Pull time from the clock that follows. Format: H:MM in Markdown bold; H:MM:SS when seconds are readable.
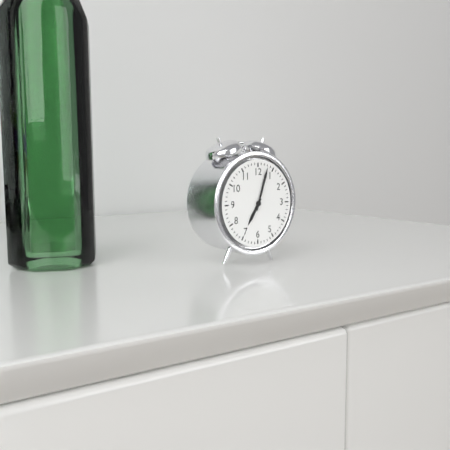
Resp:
**7:03**
